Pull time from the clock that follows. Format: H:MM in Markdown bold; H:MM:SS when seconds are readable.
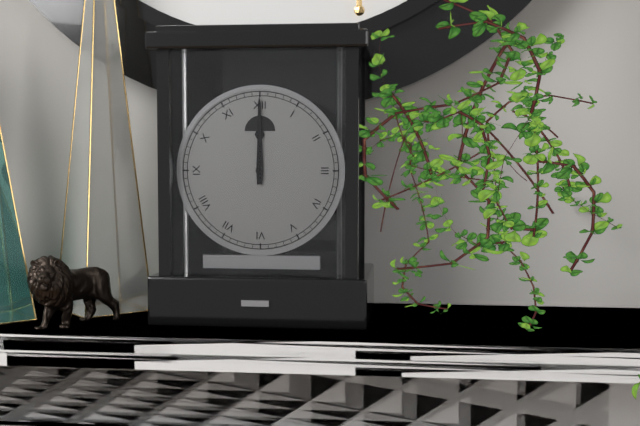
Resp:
**12:00**
